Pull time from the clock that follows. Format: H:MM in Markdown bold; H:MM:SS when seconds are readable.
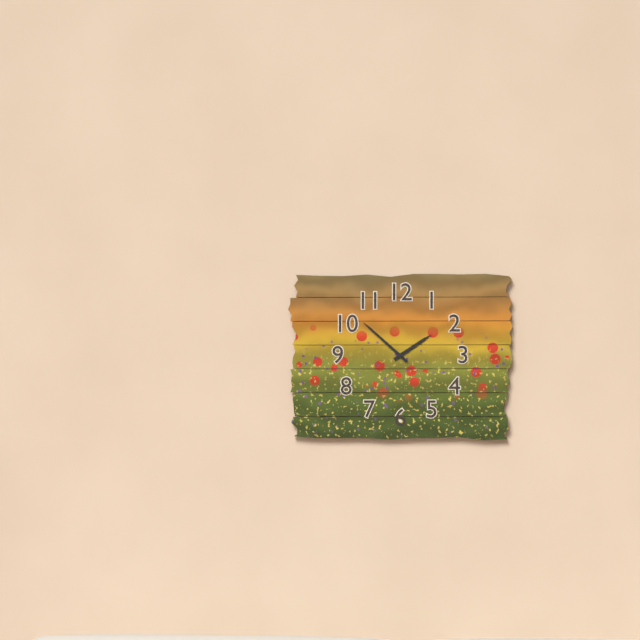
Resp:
**1:52**
